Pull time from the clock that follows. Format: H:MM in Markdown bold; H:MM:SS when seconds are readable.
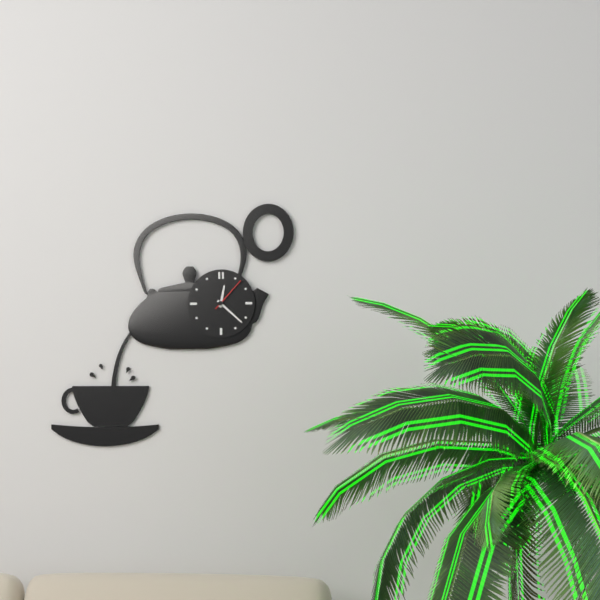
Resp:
**12:22**
